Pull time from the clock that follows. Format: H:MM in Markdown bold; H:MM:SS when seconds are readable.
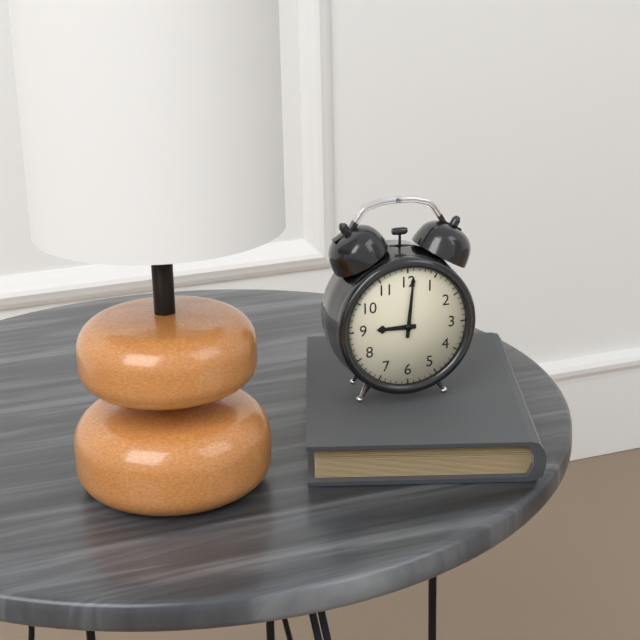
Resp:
**9:01**
